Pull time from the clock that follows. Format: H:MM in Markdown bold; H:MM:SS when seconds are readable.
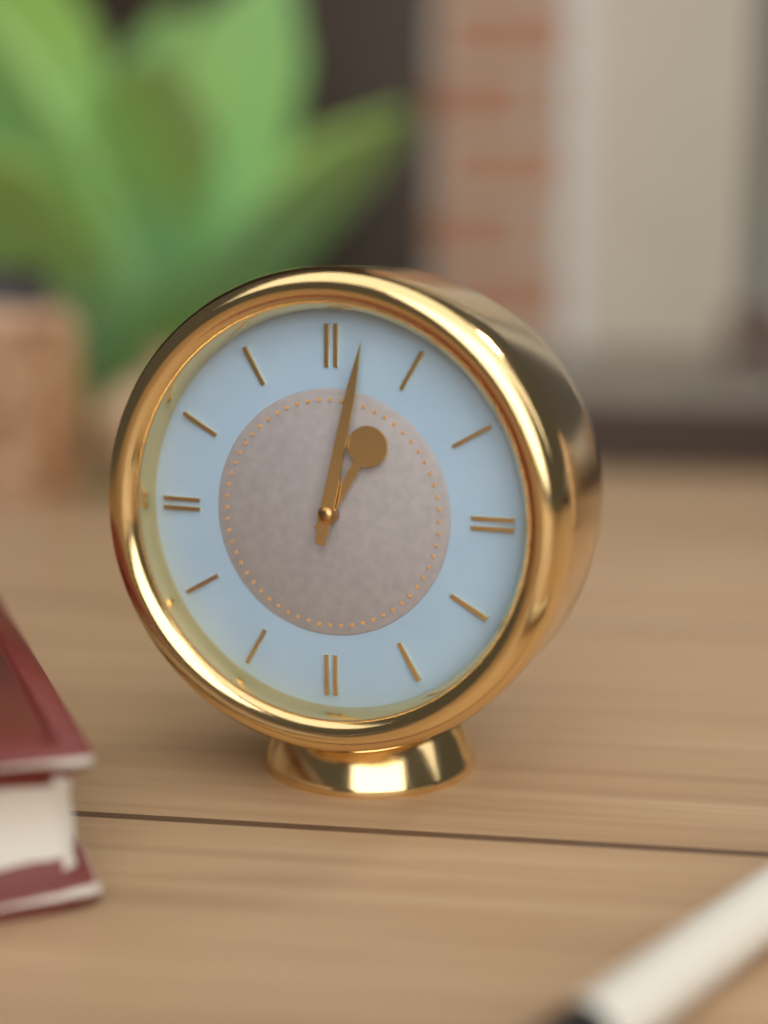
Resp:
**1:02**
